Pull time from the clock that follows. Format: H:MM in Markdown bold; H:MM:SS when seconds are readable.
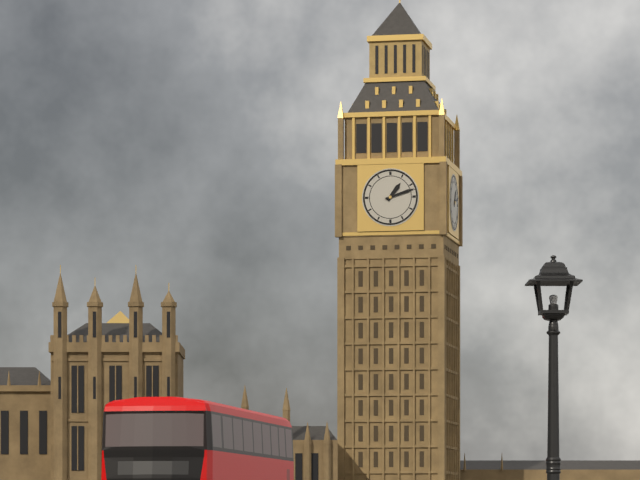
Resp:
**1:12**
